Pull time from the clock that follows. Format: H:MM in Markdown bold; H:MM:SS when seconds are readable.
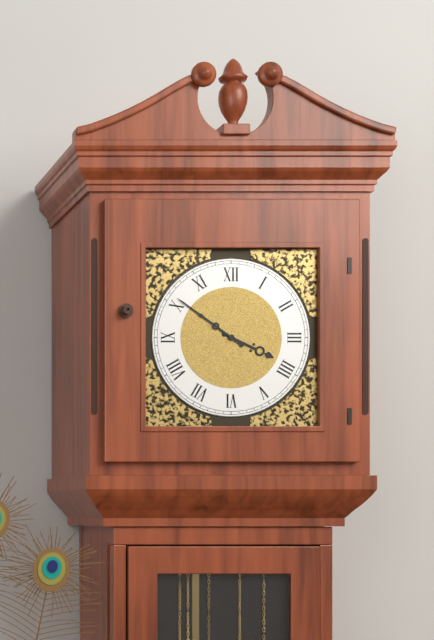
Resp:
**3:51**
